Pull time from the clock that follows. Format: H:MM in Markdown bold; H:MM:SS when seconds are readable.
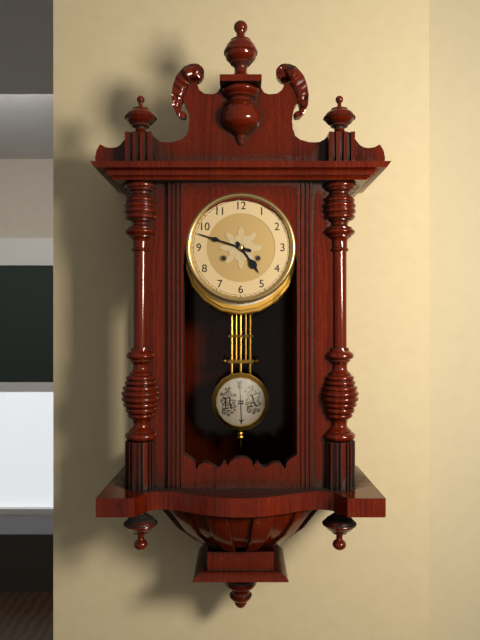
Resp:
**4:48**
